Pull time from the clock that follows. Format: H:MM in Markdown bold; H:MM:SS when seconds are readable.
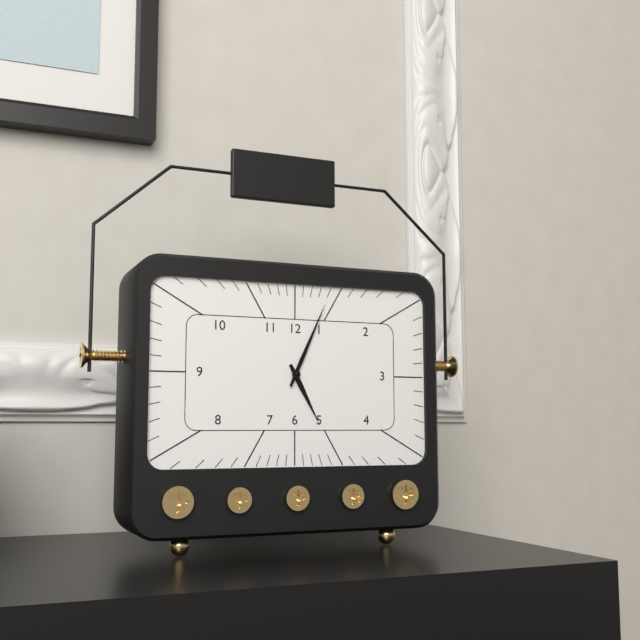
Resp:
**5:04**
